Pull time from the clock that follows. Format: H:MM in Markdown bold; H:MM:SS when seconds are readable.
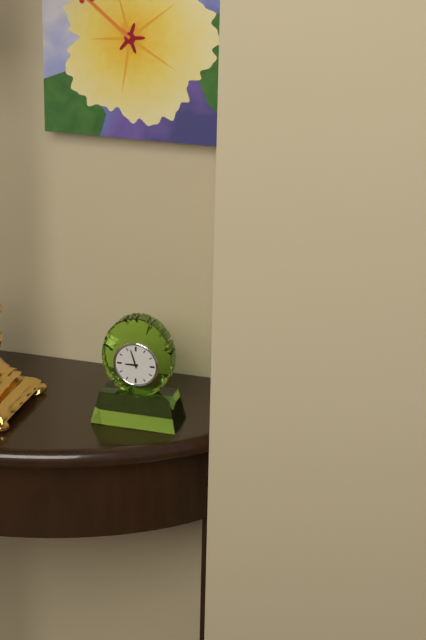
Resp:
**8:57**
